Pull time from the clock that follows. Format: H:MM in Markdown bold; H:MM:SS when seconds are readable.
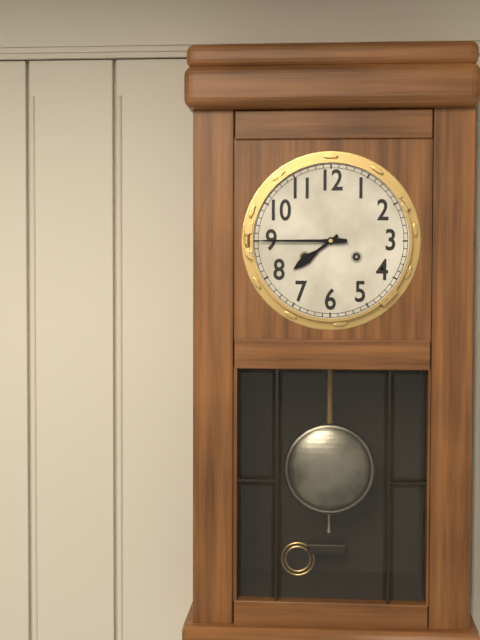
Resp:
**7:45**
